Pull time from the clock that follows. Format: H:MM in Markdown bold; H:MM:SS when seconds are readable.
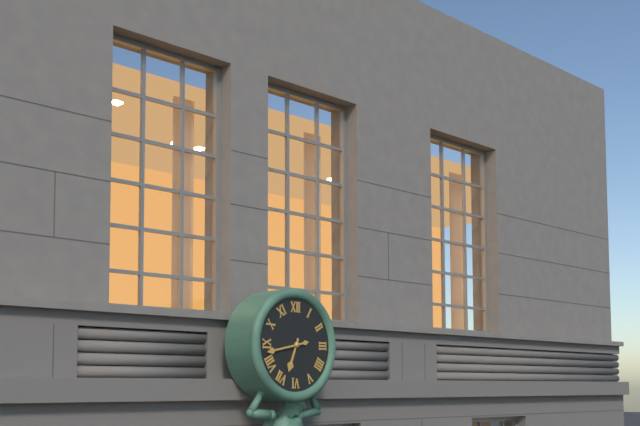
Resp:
**6:43**
